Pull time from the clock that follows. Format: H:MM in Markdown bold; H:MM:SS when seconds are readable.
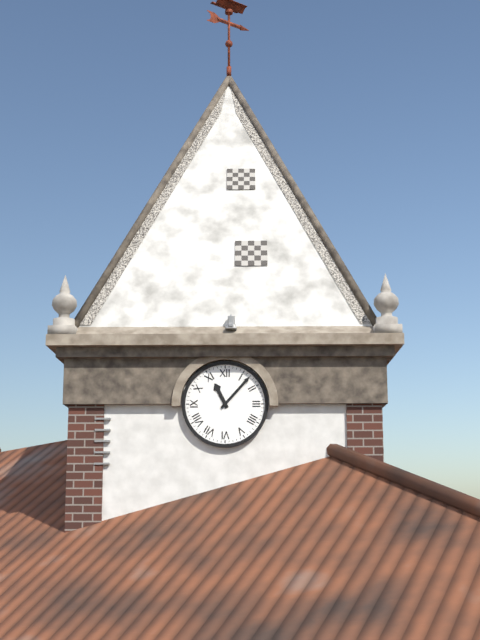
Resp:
**11:07**
